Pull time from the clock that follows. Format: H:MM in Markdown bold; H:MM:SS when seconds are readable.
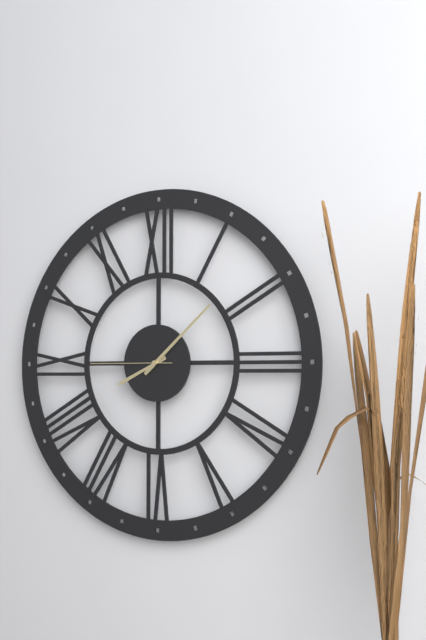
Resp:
**8:08:45**
